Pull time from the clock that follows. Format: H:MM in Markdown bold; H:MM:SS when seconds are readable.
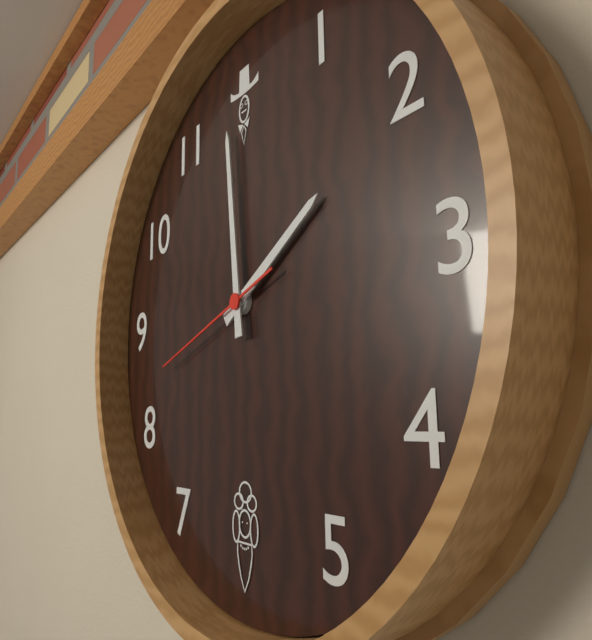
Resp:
**1:59:42**
